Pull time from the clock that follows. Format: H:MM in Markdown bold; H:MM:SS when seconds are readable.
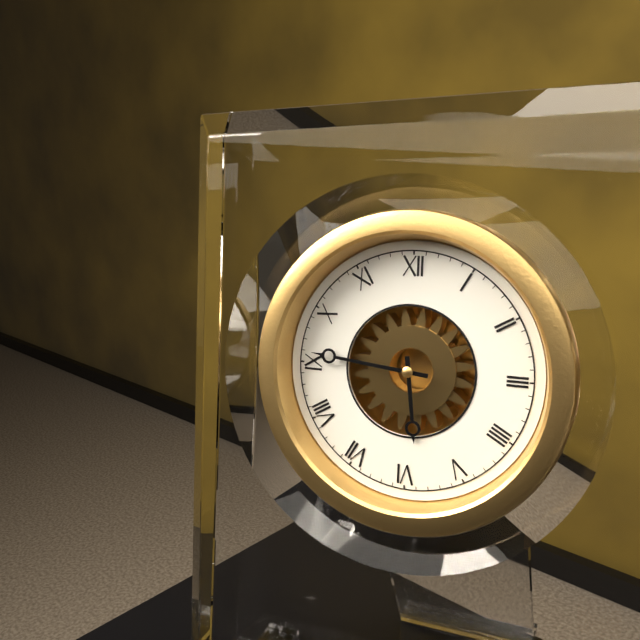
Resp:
**5:46**
